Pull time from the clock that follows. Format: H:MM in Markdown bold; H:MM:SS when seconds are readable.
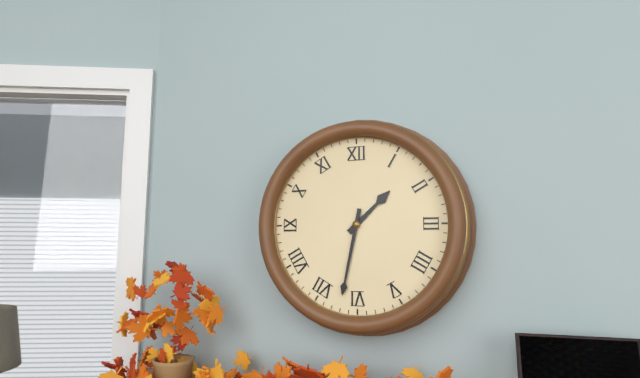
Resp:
**1:32**
